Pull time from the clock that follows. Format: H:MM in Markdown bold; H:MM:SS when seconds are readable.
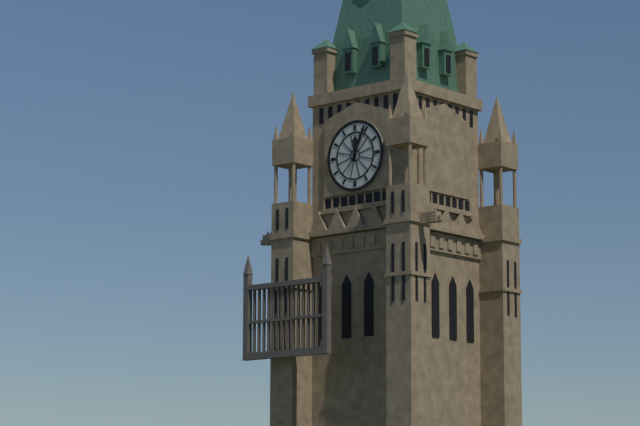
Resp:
**12:04**
